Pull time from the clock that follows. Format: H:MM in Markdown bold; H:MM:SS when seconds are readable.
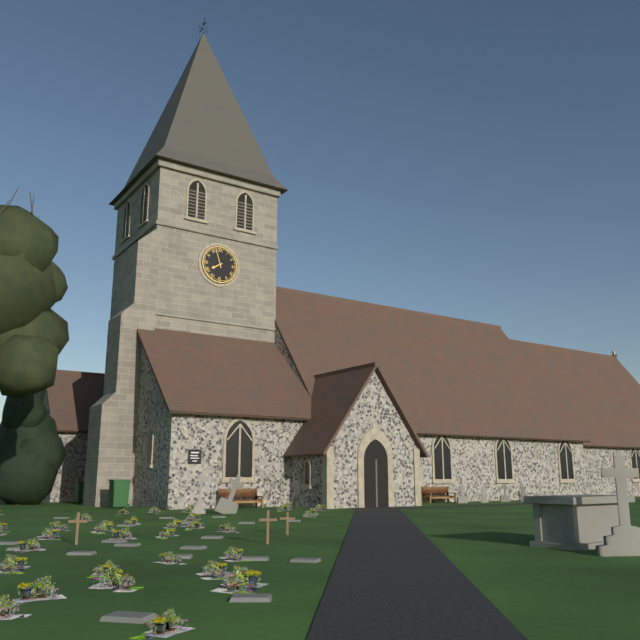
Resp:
**7:57**
